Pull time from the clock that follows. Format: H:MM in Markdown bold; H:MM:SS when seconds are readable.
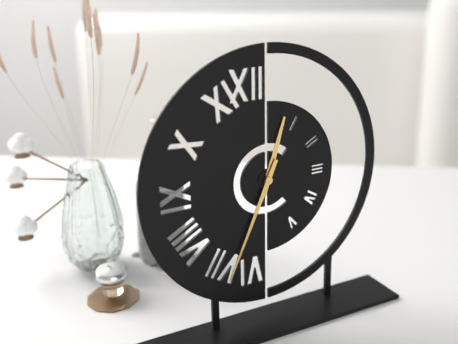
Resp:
**12:34**
